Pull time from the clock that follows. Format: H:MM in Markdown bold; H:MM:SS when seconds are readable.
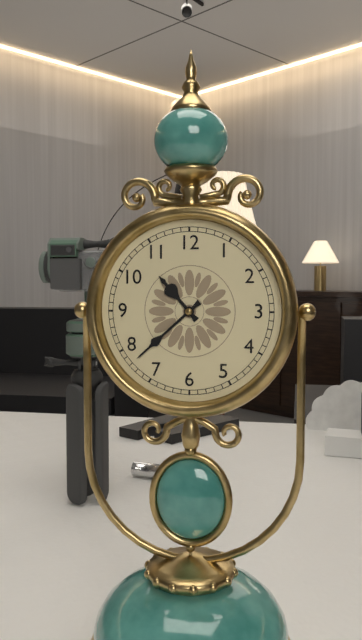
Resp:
**10:38**
